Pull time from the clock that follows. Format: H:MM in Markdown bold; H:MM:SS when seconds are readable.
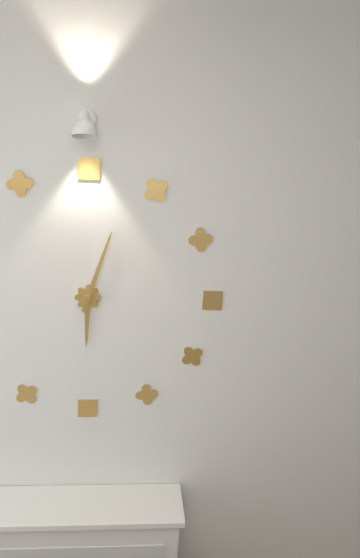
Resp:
**6:03**
